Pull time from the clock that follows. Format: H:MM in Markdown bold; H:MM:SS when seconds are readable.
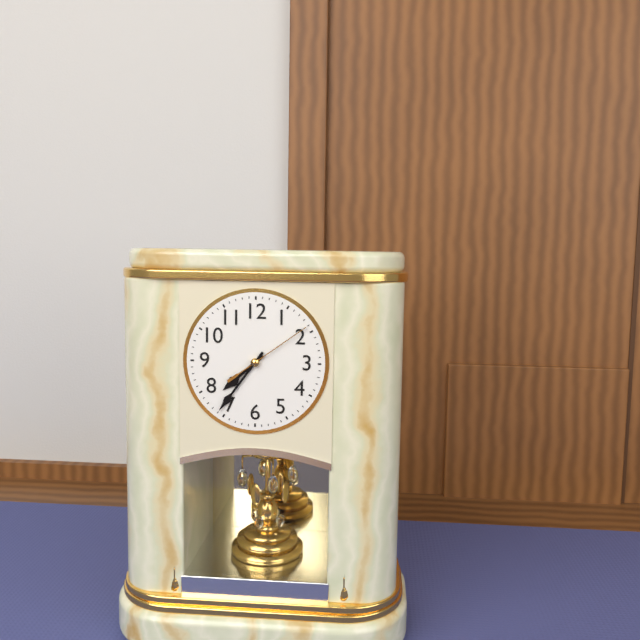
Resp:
**7:36:09**
